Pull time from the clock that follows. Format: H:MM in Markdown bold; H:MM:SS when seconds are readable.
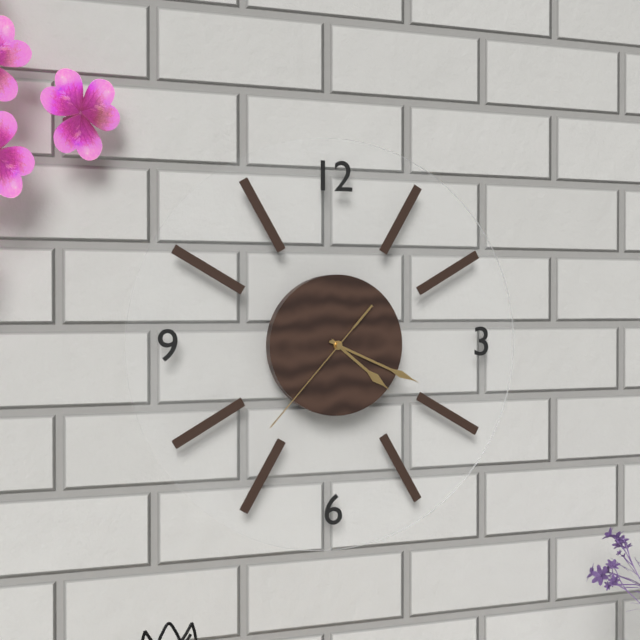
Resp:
**4:19:37**
